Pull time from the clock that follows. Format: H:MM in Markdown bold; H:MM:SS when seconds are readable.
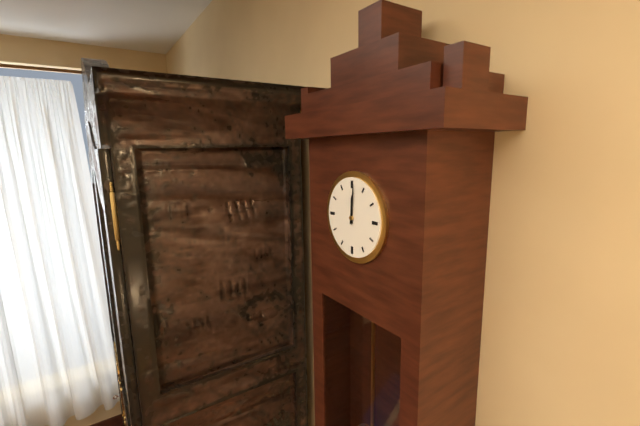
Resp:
**12:01**
